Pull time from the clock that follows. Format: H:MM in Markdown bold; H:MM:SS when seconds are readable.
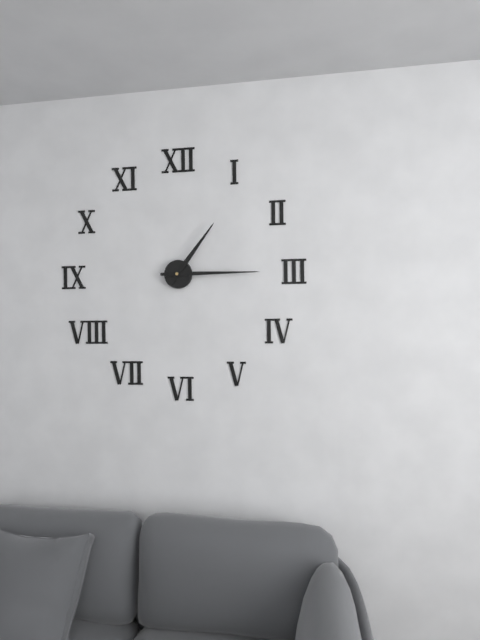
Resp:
**1:15**
